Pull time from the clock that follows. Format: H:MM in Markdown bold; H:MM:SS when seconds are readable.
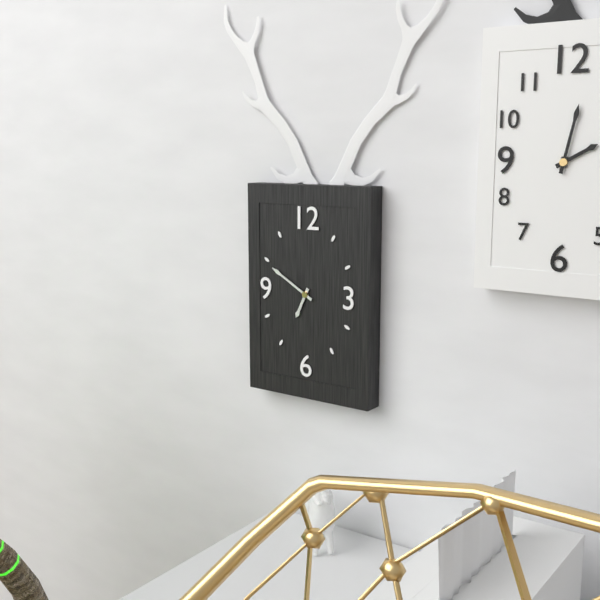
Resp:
**6:50**
